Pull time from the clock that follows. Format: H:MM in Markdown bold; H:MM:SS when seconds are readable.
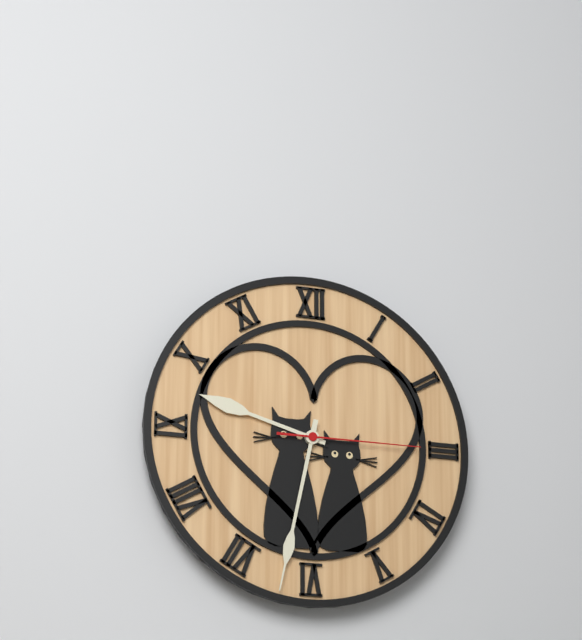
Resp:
**9:32:15**
